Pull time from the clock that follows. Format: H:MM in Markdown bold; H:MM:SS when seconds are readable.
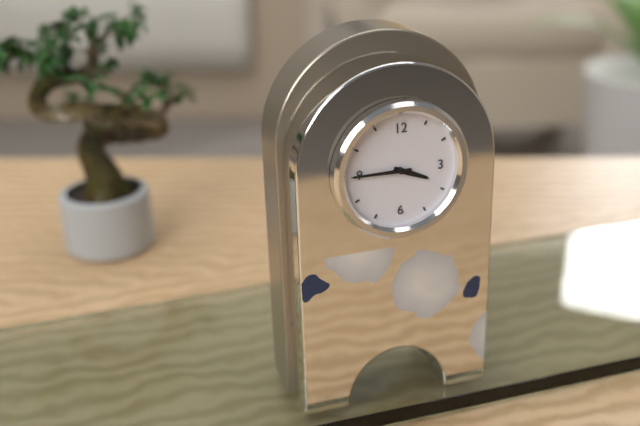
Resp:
**3:45**
